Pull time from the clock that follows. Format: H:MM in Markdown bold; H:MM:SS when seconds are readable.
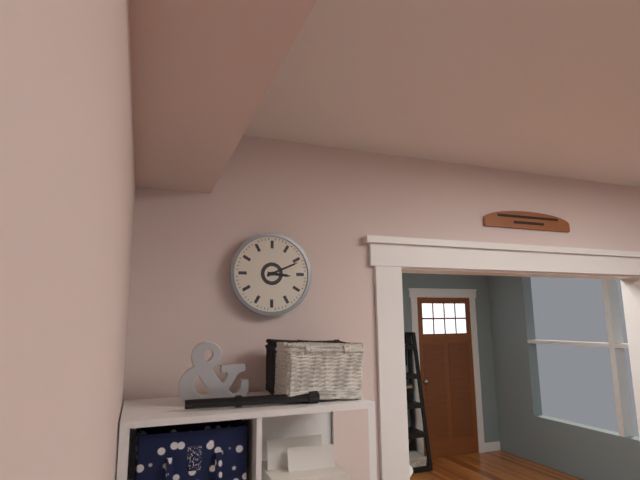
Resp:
**3:11**
